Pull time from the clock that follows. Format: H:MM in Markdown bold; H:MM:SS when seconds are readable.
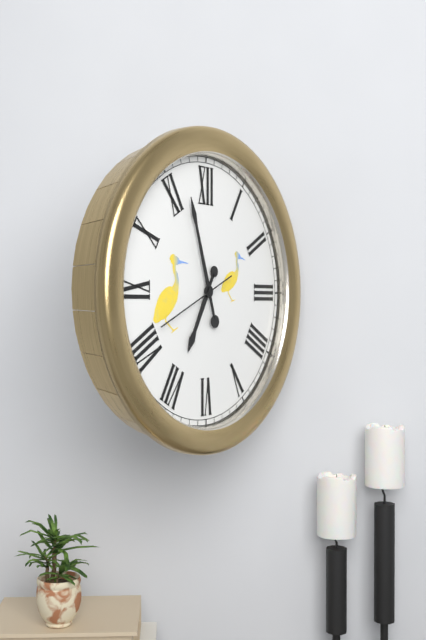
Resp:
**6:57:41**
